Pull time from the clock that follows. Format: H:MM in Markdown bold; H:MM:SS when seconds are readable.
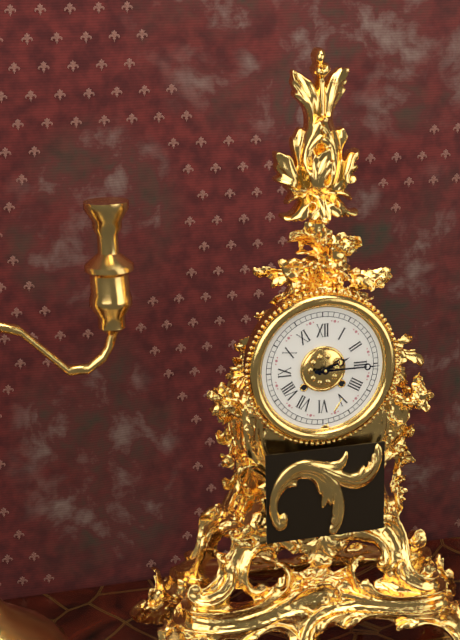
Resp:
**2:15**
